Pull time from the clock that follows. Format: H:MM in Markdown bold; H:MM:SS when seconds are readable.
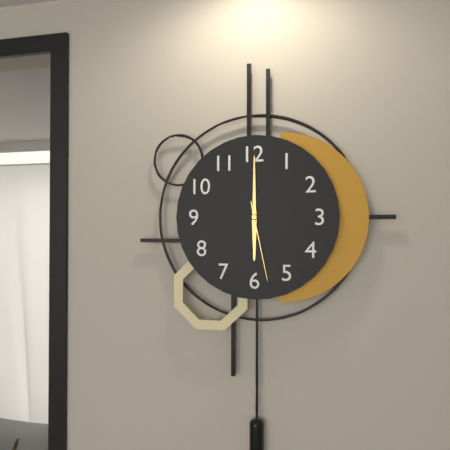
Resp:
**6:00:28**
